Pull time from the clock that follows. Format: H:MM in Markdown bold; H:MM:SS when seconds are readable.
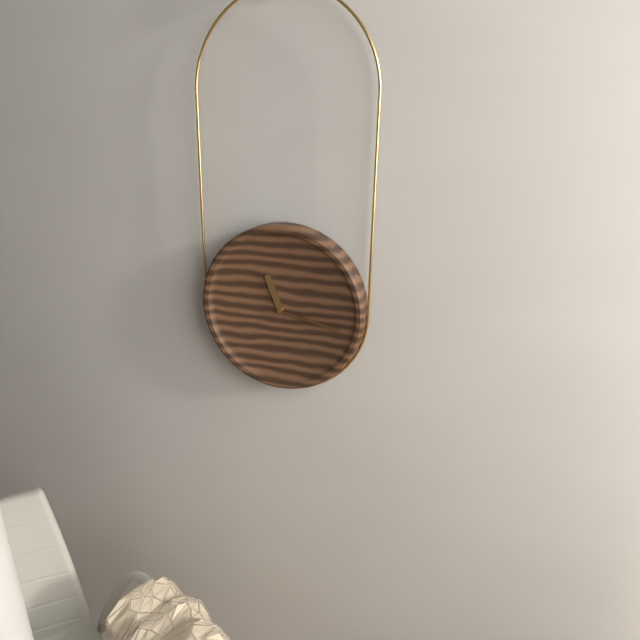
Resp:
**11:17**
